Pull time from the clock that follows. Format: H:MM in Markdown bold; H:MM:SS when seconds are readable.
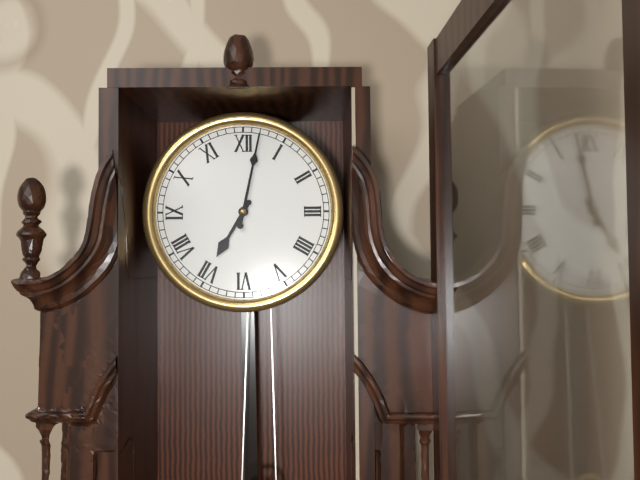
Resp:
**7:02**
